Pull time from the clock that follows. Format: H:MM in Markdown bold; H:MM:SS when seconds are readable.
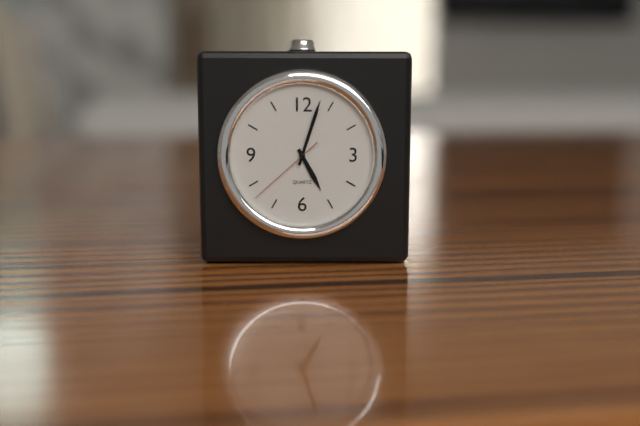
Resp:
**5:03:38**
